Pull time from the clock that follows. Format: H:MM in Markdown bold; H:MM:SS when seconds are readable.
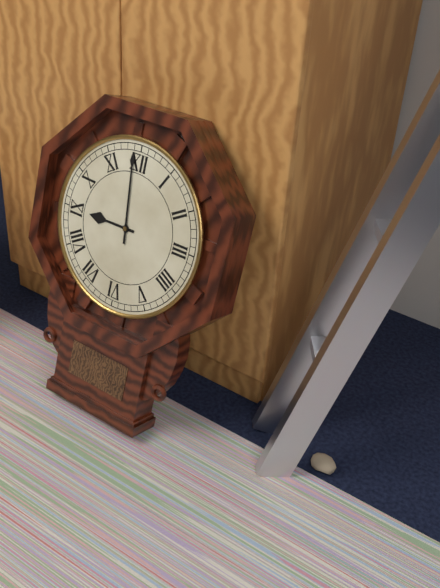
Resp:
**8:59**
